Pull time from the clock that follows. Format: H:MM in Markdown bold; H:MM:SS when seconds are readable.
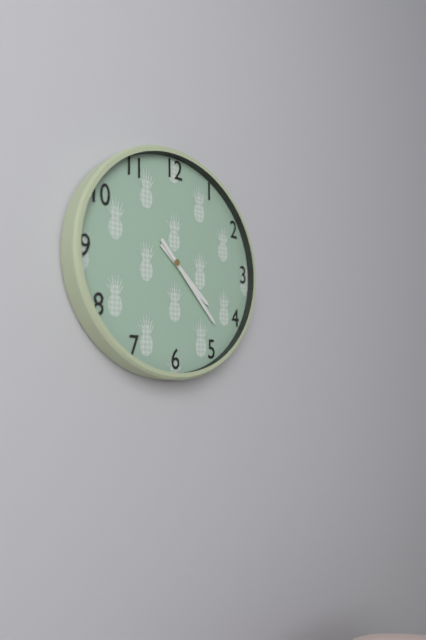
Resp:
**4:23**
